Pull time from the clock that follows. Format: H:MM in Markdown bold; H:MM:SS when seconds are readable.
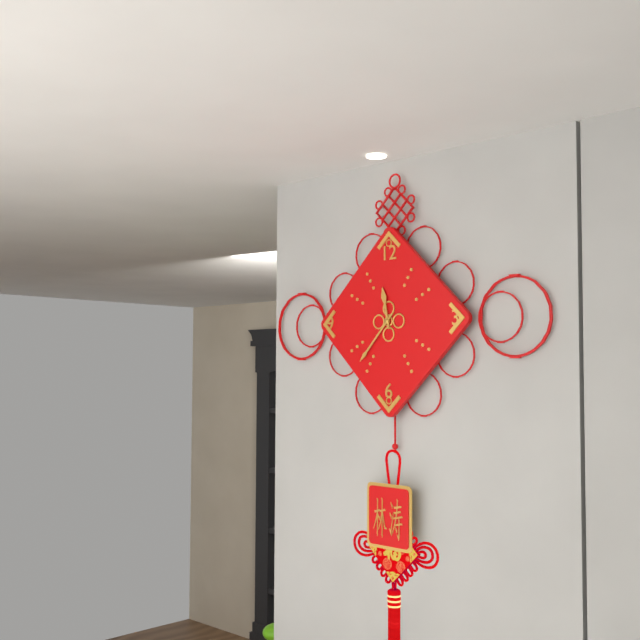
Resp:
**11:37**
